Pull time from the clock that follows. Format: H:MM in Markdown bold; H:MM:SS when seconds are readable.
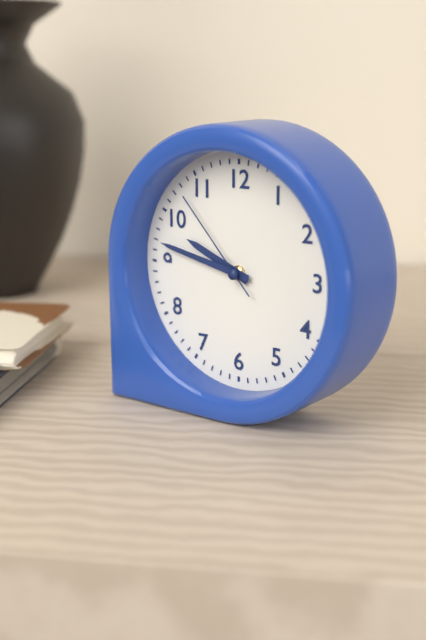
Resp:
**9:47:53**
